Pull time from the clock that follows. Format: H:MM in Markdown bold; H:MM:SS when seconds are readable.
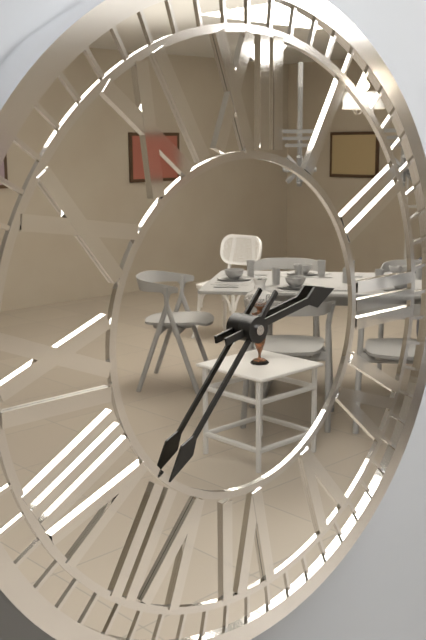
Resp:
**2:37**
